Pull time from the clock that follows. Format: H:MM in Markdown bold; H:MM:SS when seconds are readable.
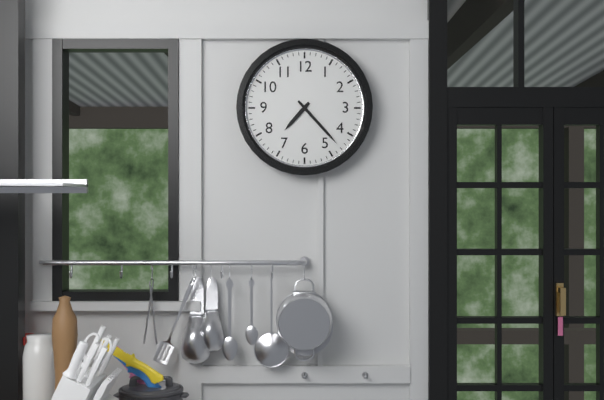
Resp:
**7:23**
